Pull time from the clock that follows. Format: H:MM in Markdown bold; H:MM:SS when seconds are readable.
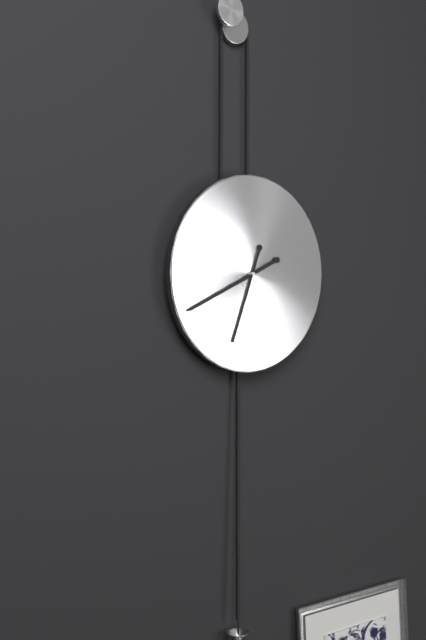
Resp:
**6:41**
